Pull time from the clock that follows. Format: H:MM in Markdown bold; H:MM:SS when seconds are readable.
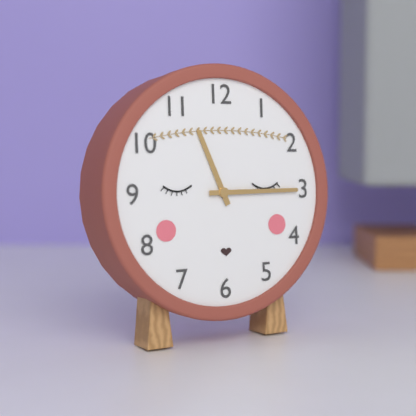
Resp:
**11:15**
